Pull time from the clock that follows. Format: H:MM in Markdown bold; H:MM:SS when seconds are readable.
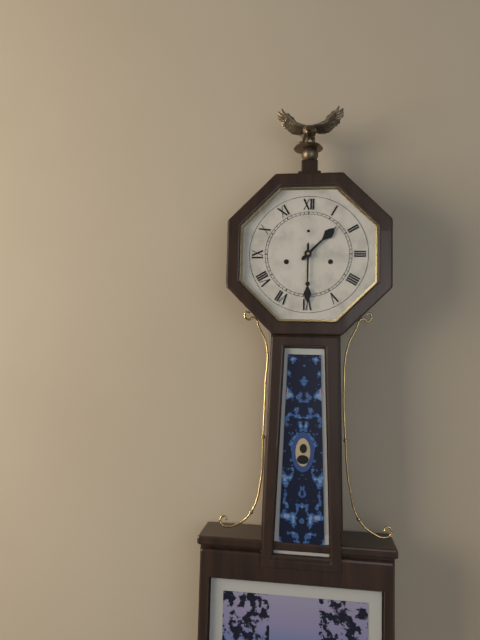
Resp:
**1:30**
